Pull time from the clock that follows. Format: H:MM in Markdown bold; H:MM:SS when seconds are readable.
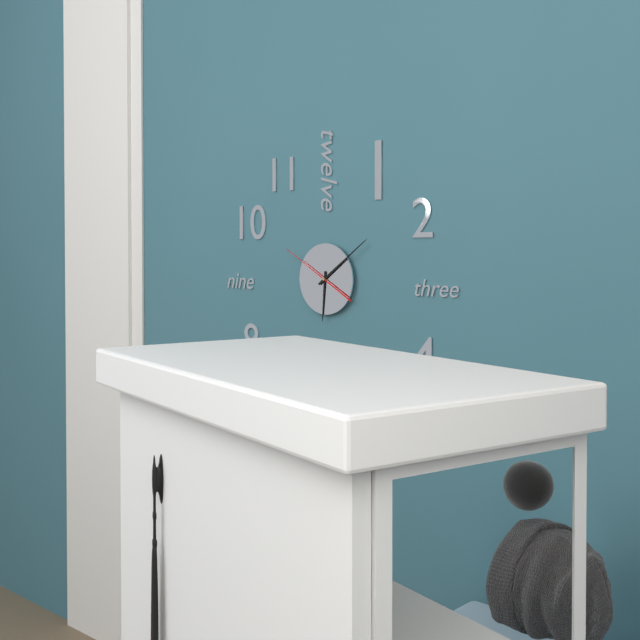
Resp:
**6:09:50**
